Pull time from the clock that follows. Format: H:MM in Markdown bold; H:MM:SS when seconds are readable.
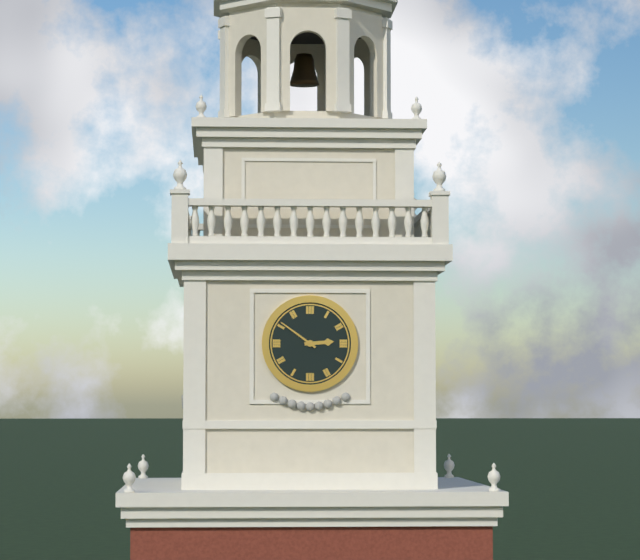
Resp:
**2:51**
